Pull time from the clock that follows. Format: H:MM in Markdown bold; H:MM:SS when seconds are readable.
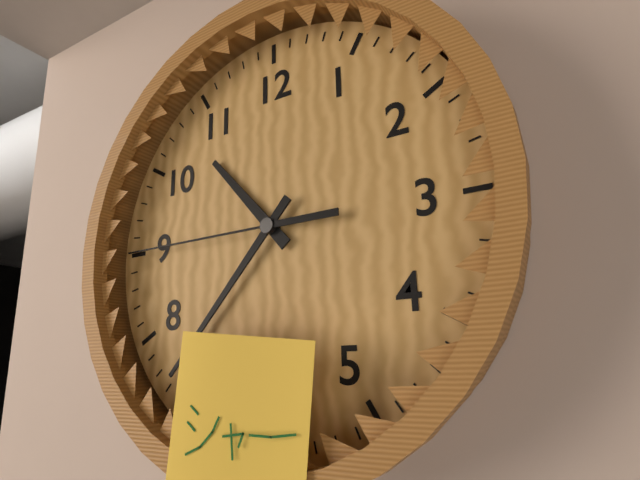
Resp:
**10:37:45**
